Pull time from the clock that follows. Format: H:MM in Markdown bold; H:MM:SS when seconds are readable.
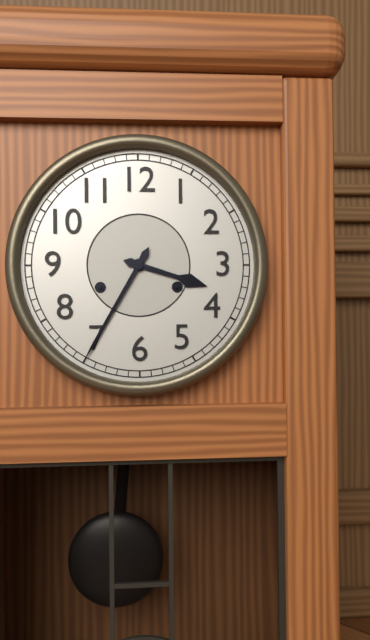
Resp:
**3:35**
